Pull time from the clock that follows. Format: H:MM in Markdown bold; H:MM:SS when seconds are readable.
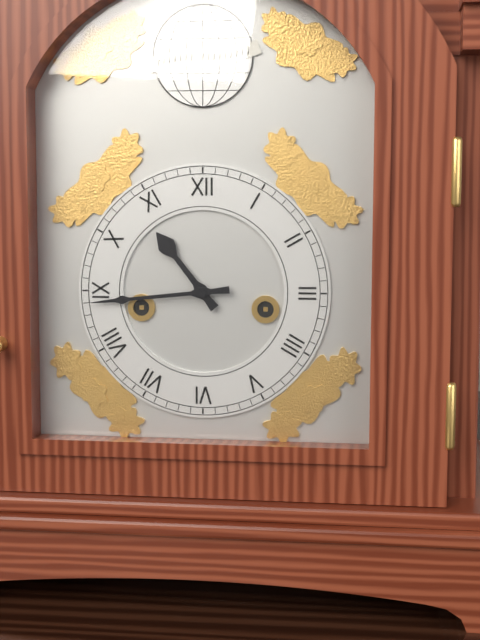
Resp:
**10:44**
